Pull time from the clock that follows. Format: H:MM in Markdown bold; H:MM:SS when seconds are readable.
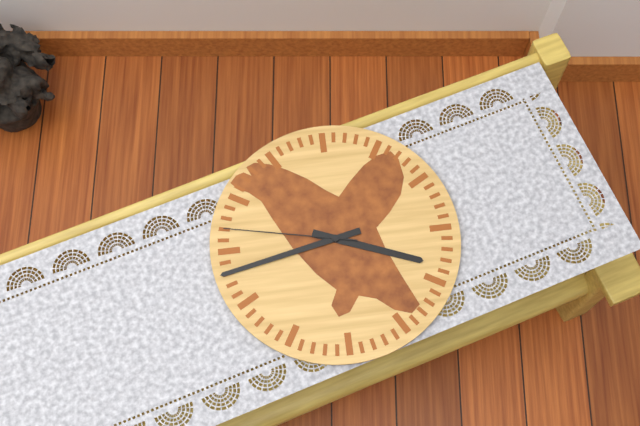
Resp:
**3:43:47**
